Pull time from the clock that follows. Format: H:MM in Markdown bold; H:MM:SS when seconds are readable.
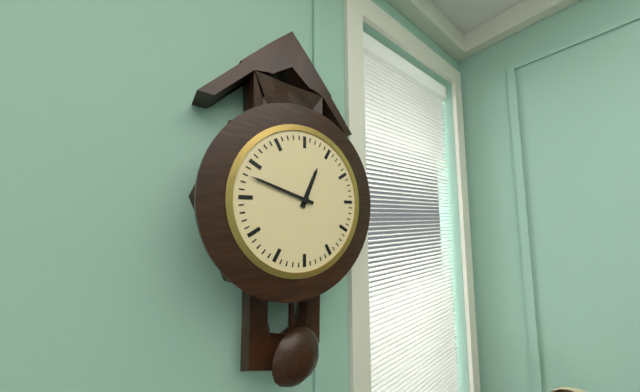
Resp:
**12:48**
